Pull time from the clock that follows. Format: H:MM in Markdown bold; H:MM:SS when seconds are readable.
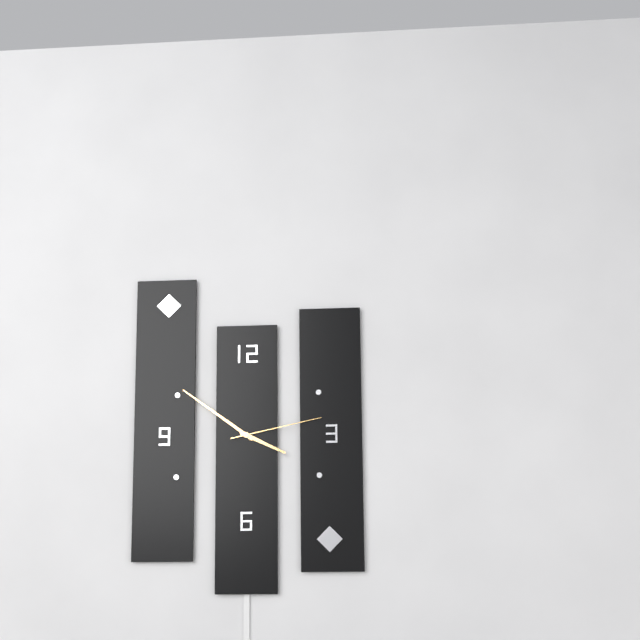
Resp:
**3:51:13**
